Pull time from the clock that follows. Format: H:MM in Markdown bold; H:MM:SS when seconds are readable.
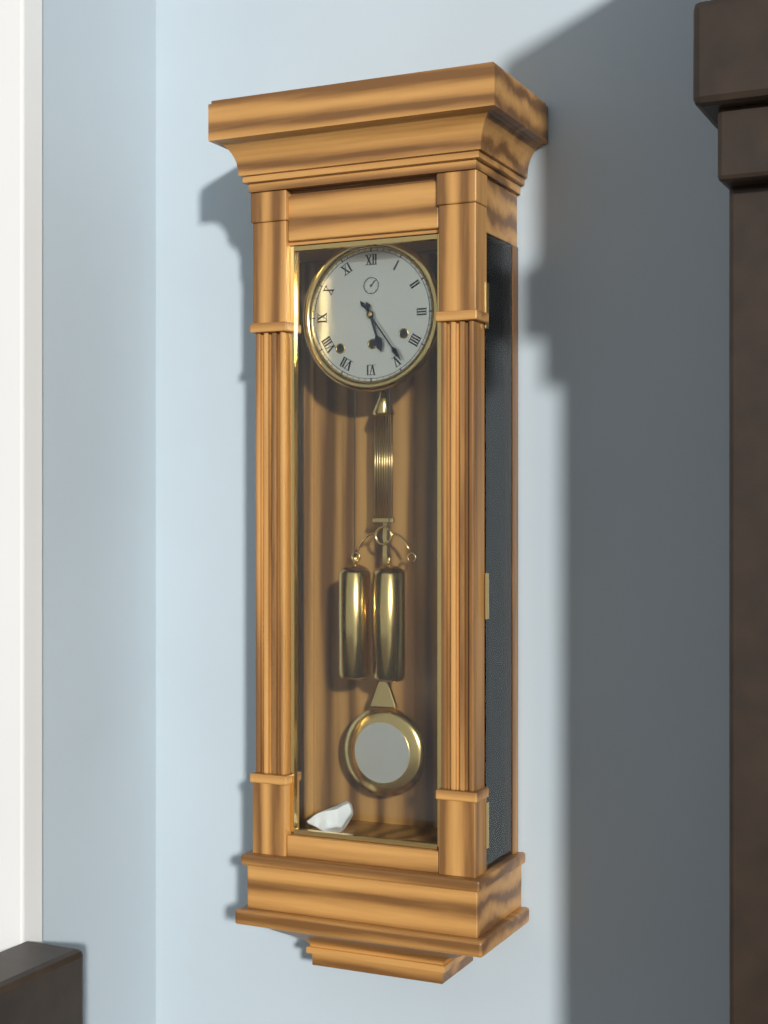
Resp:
**5:24**
